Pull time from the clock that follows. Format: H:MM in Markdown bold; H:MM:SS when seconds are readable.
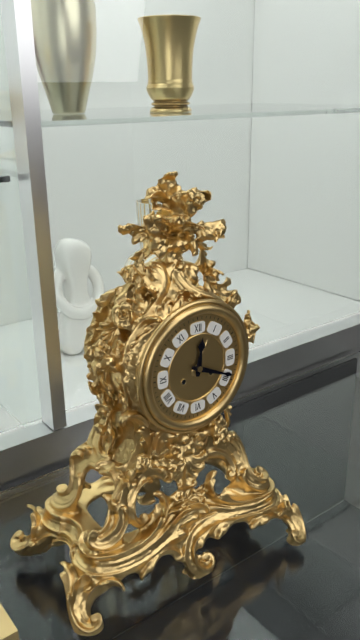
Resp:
**12:19**
